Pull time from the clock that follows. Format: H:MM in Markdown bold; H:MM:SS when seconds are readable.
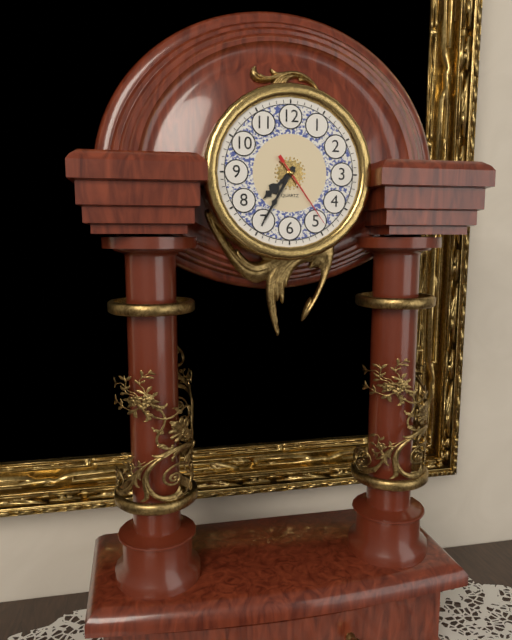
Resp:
**7:35:24**
